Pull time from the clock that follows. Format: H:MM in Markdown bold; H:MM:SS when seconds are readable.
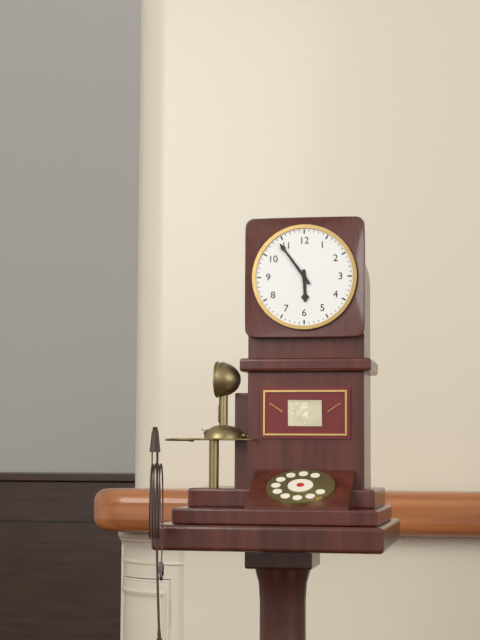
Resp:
**5:54**
